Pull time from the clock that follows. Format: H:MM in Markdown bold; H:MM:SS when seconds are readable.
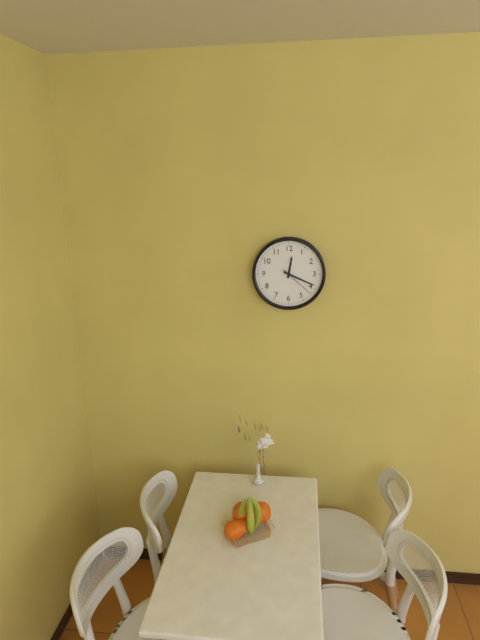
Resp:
**12:19**
